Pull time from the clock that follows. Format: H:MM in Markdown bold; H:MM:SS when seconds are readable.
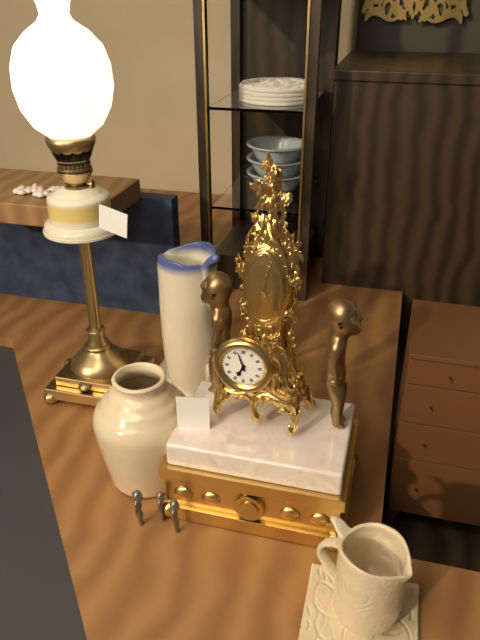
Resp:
**6:57**
